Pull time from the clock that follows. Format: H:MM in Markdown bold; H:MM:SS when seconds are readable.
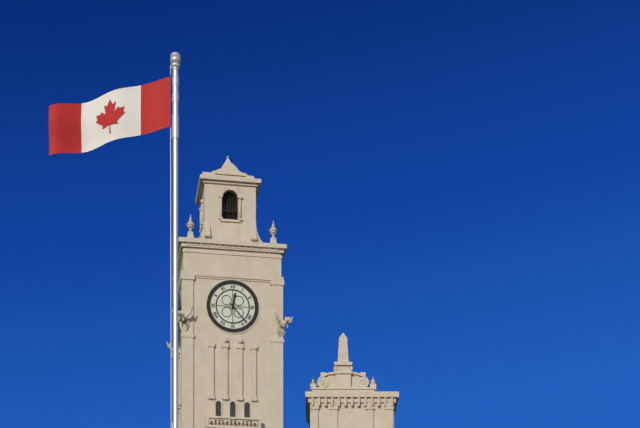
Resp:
**12:23**
